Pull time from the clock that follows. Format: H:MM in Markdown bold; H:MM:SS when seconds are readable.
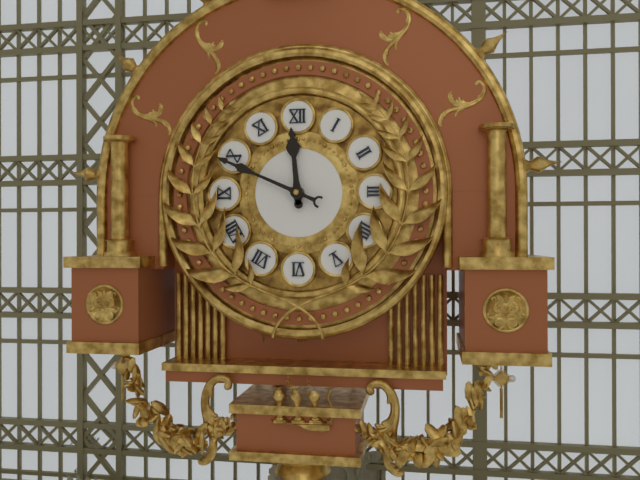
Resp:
**11:49**
